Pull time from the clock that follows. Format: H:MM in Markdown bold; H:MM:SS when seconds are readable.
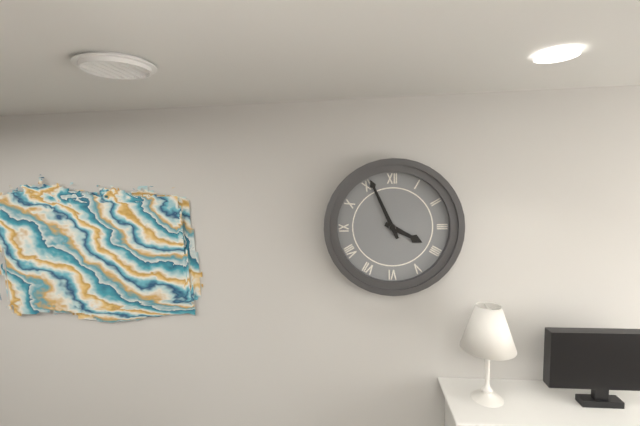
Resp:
**3:56**
